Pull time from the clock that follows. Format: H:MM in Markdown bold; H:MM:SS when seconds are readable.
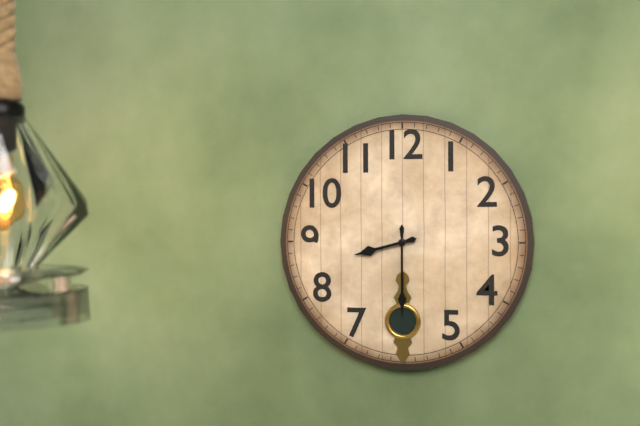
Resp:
**8:30**
